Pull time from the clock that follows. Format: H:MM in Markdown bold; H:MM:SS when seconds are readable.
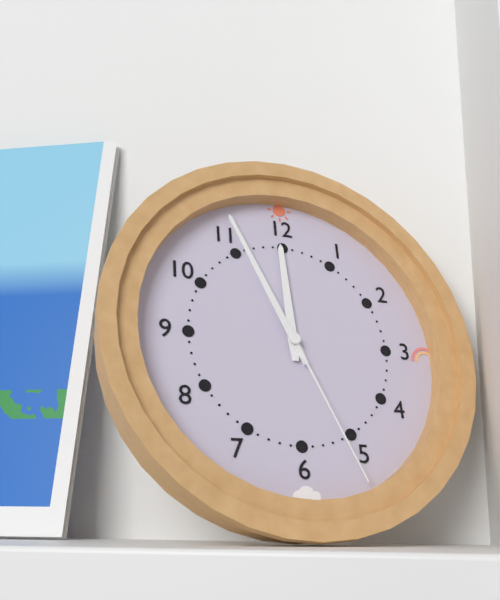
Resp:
**11:56:26**
